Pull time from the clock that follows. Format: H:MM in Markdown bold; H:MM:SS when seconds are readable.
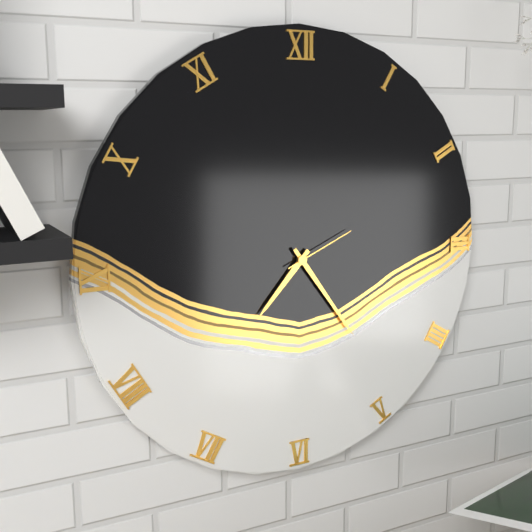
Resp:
**7:24:11**
